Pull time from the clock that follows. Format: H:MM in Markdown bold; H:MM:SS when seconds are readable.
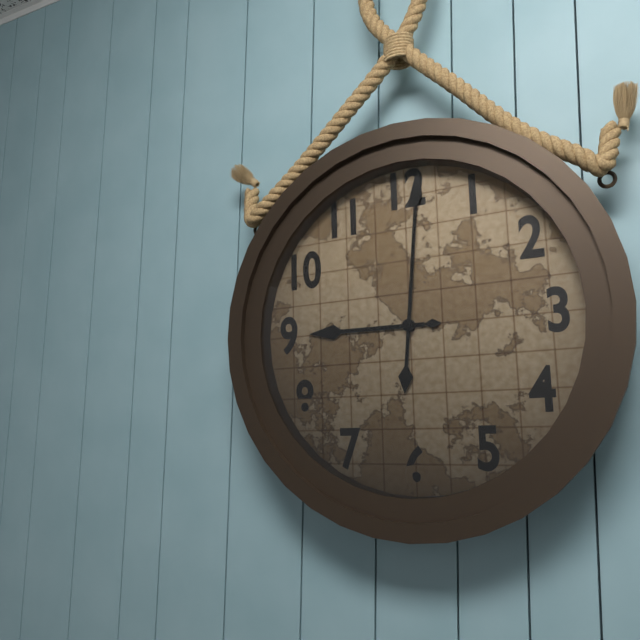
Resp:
**9:01**
